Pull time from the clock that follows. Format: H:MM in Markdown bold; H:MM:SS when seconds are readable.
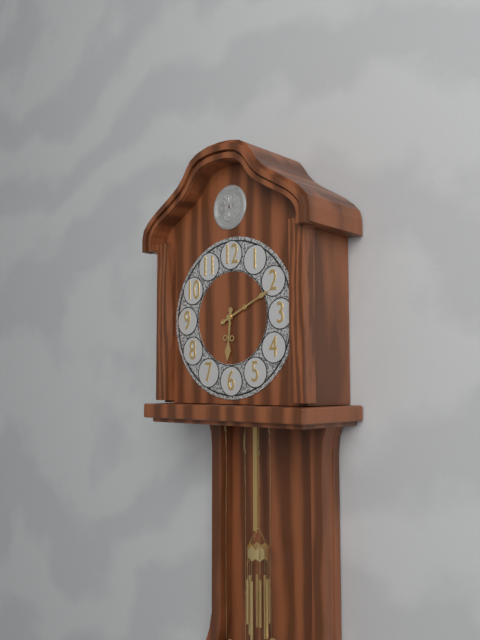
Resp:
**6:11**
